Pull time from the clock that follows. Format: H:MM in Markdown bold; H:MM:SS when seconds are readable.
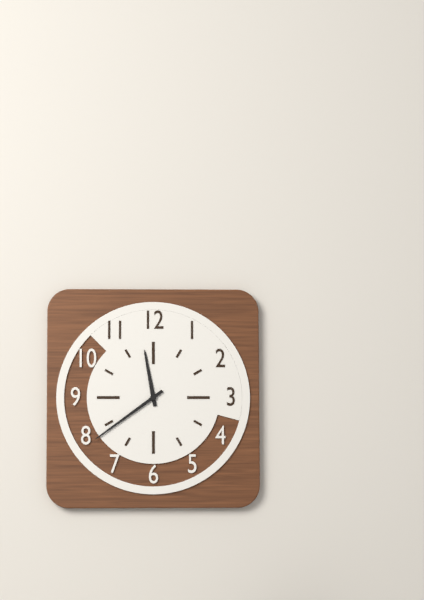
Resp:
**11:39**
